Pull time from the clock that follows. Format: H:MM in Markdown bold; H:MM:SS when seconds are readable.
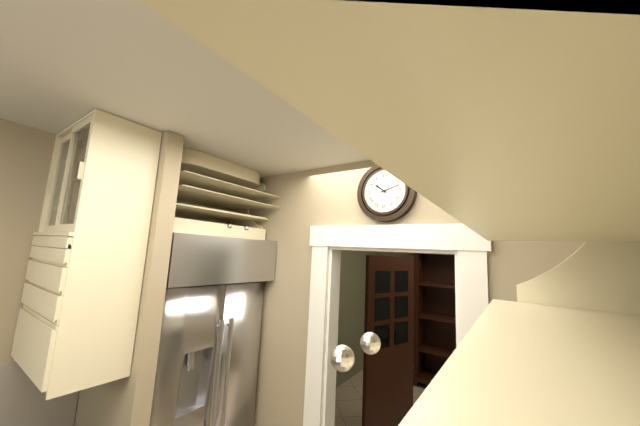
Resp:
**10:12**
